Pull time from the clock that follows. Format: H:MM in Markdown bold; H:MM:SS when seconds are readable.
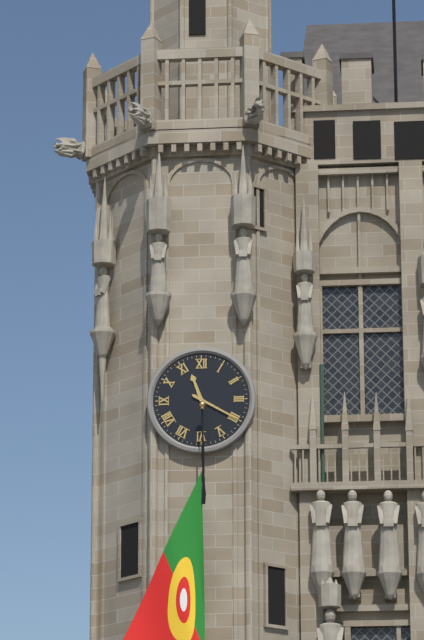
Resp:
**11:20**
